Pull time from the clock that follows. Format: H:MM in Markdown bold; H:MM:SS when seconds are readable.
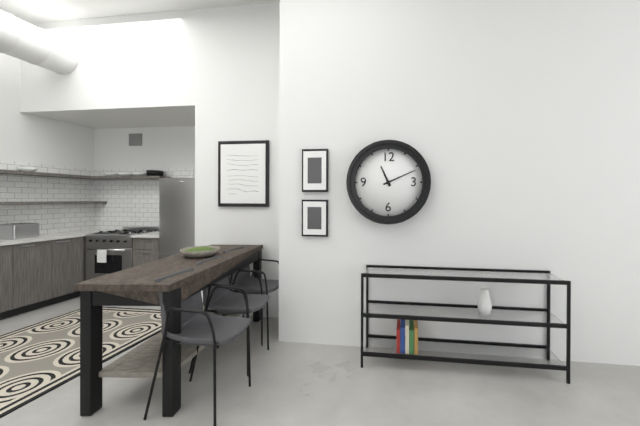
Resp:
**11:11**
